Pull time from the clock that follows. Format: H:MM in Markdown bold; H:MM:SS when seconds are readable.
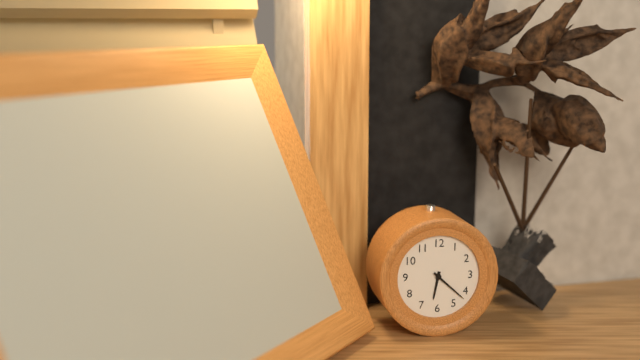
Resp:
**6:22**
